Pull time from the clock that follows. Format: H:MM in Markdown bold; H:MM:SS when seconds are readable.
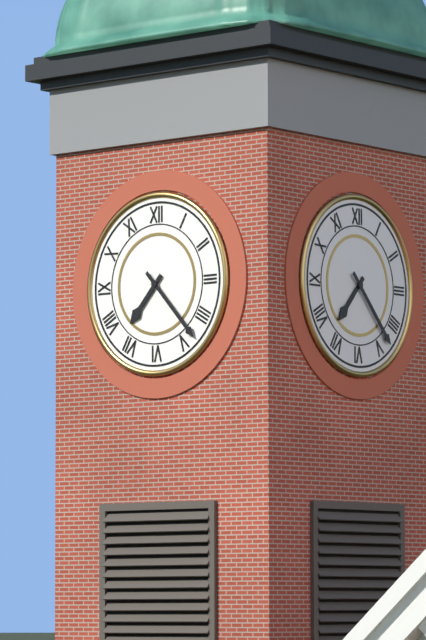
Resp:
**7:23**
